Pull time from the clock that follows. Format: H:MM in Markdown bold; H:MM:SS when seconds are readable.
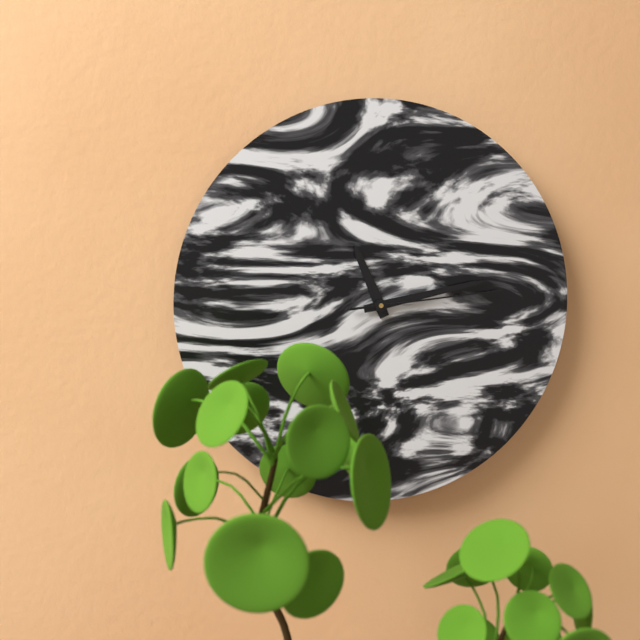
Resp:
**11:13:14**
